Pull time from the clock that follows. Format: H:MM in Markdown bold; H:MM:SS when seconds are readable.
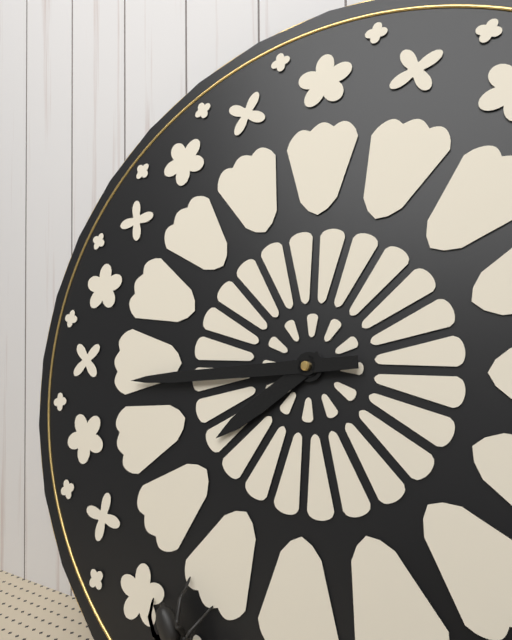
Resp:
**7:44**
